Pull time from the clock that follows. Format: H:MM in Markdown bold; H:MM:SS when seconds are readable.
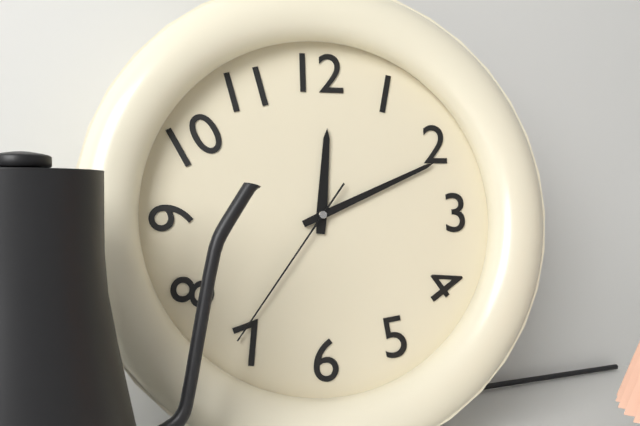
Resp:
**12:11:36**
